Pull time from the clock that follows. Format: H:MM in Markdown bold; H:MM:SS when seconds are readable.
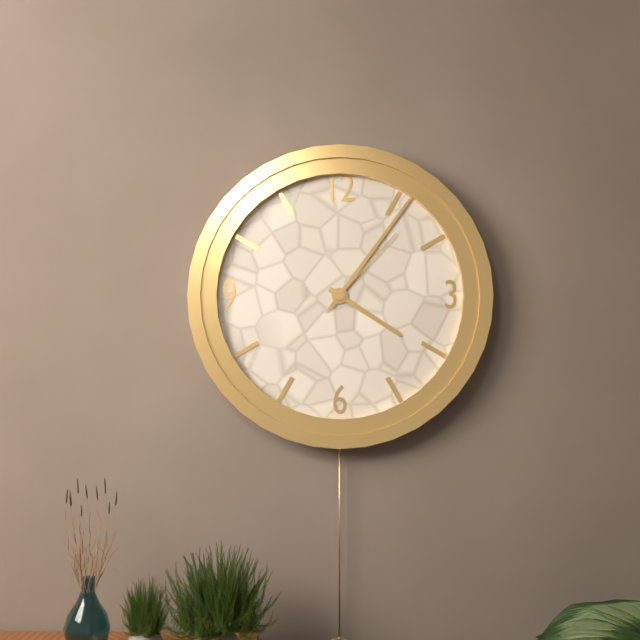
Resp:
**4:06:07**
